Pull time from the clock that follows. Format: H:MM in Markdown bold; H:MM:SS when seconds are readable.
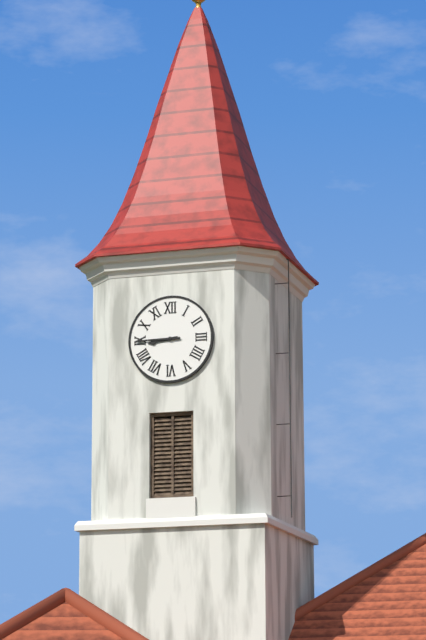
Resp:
**8:45**
